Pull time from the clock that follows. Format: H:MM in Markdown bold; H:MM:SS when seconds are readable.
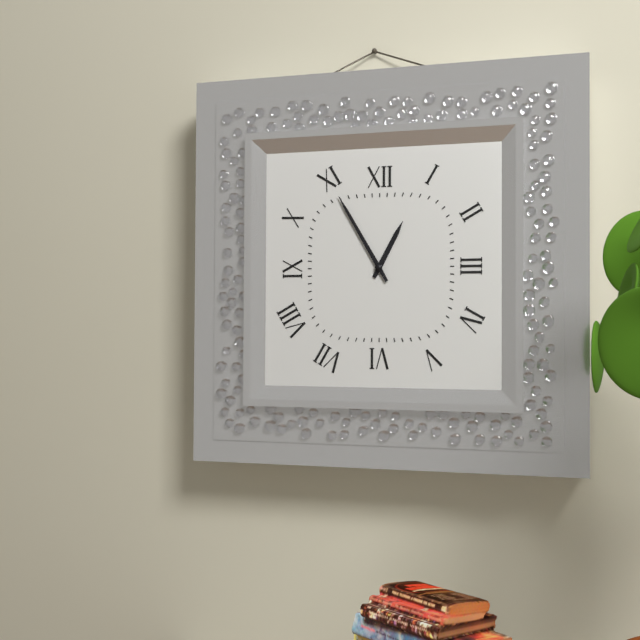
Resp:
**12:55**
